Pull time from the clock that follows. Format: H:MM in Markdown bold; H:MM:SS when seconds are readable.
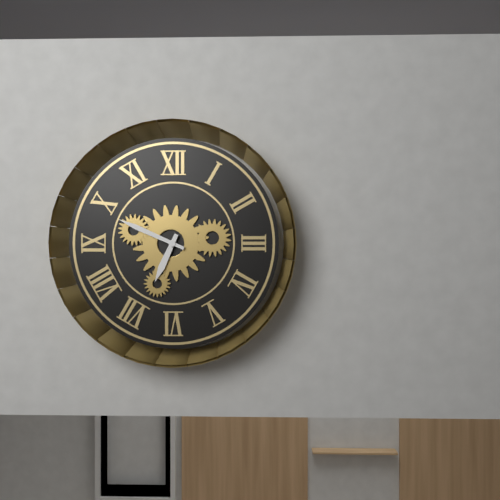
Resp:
**6:49**
